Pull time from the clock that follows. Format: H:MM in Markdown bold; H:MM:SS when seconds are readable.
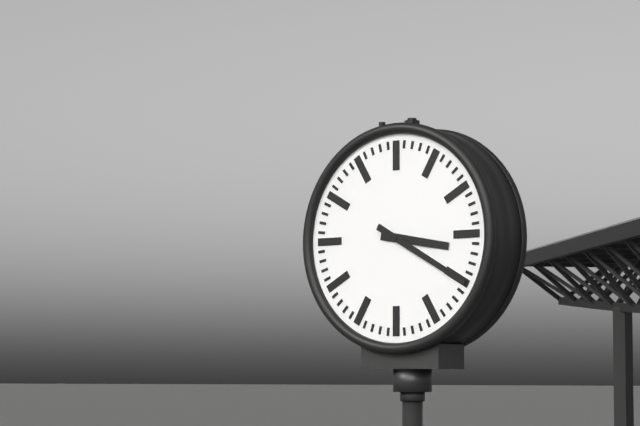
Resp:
**3:20**
